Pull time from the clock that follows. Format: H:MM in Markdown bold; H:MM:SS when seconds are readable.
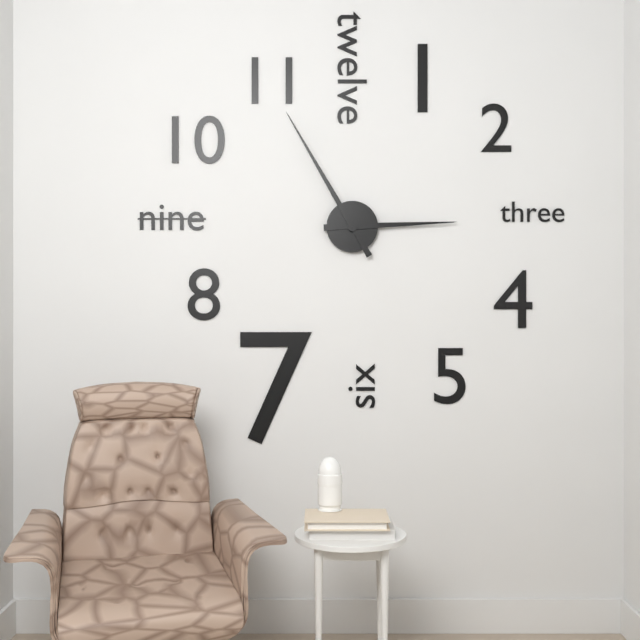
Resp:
**2:55**
